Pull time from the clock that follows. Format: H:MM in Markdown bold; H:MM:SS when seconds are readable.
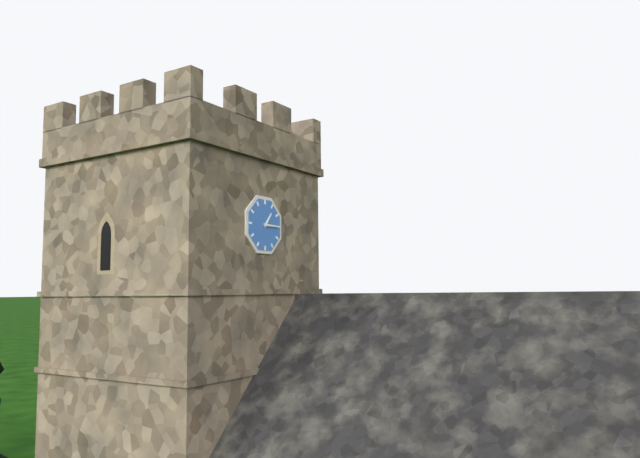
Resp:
**1:15**
